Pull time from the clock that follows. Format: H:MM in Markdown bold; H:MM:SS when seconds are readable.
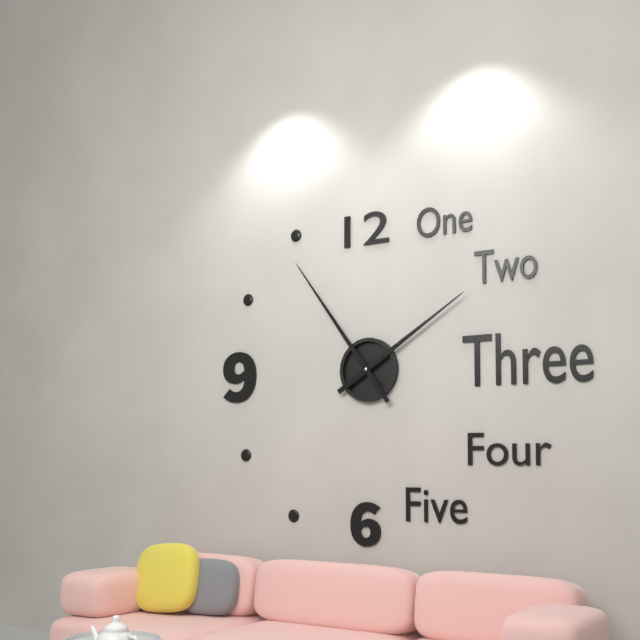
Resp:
**1:54**
